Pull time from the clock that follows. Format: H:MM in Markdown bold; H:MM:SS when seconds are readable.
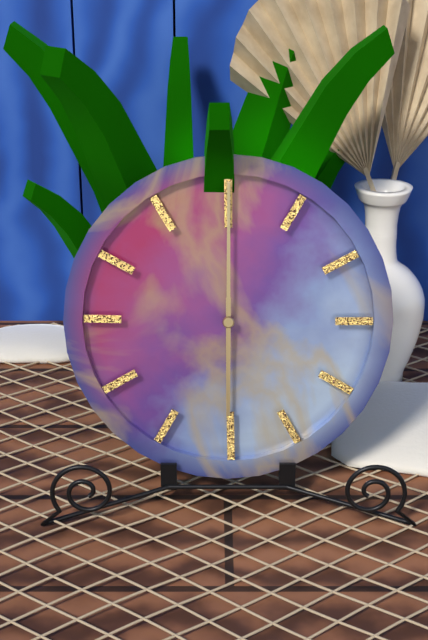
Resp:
**6:00**
